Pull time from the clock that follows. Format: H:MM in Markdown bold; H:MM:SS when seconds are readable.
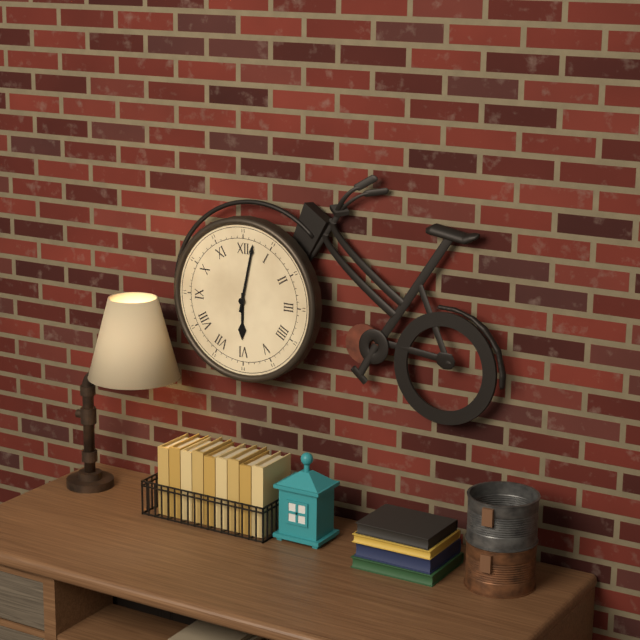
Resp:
**6:02**
